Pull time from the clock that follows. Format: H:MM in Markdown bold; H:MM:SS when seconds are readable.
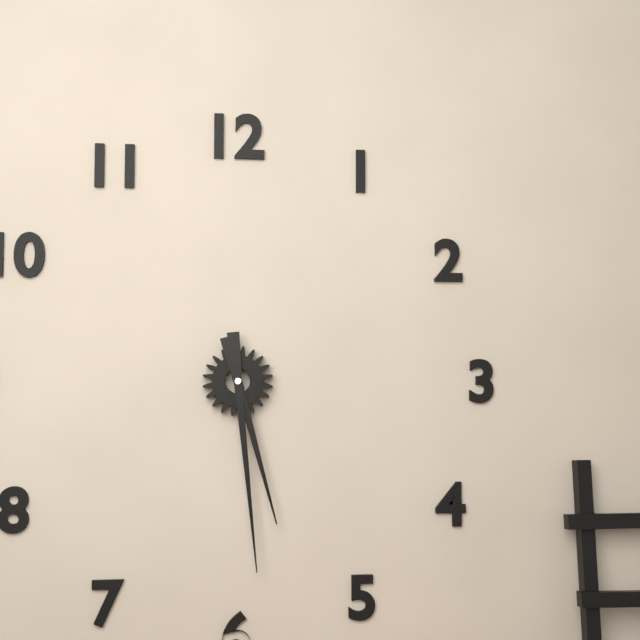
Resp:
**5:29**
